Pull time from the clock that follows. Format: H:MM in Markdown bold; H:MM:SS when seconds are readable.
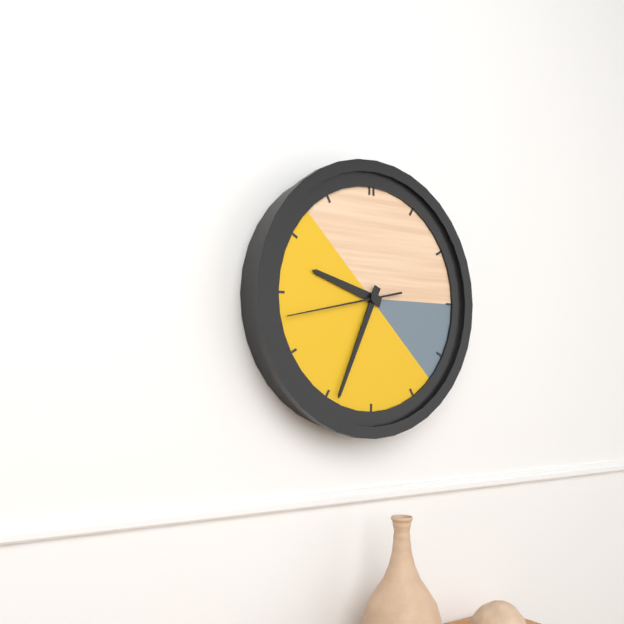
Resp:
**9:34:43**
